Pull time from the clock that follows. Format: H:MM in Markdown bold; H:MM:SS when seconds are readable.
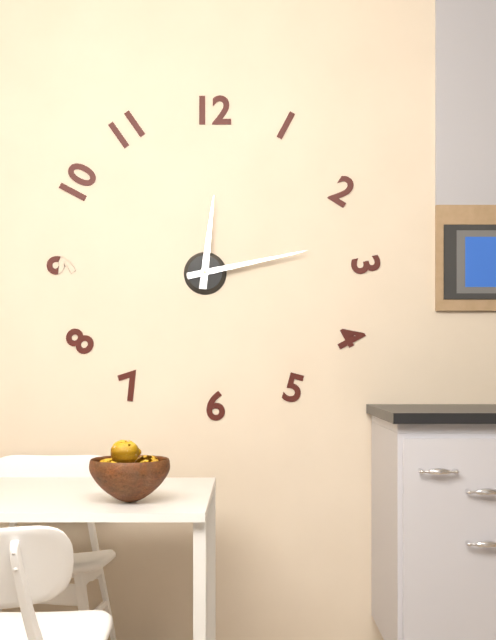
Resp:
**12:13**
